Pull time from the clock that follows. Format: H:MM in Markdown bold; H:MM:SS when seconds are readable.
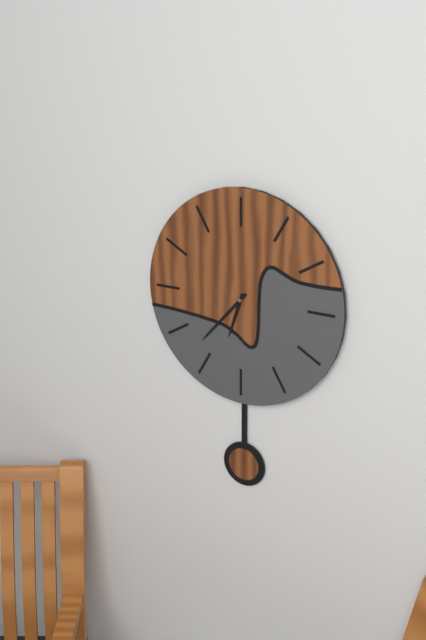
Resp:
**6:37**
